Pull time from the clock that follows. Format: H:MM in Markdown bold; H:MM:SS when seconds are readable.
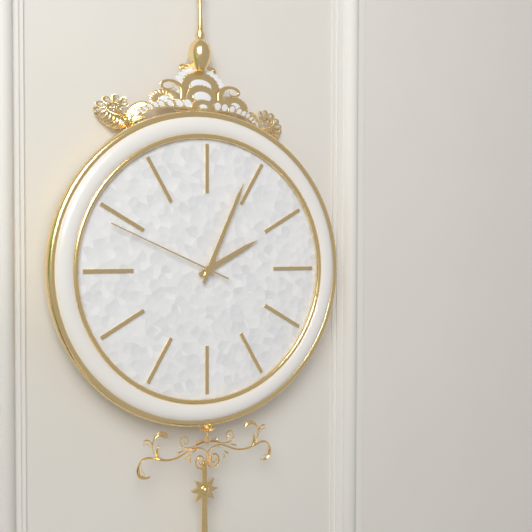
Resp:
**2:04:49**
